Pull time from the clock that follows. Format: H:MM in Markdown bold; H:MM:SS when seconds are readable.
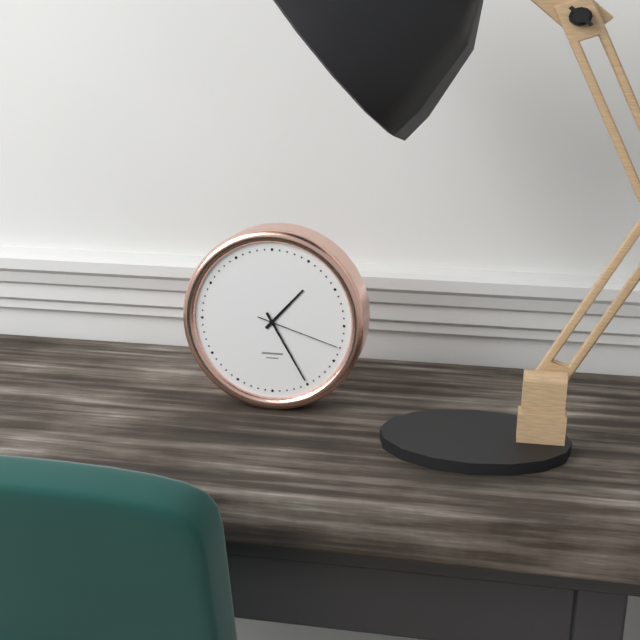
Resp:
**1:25:18**
